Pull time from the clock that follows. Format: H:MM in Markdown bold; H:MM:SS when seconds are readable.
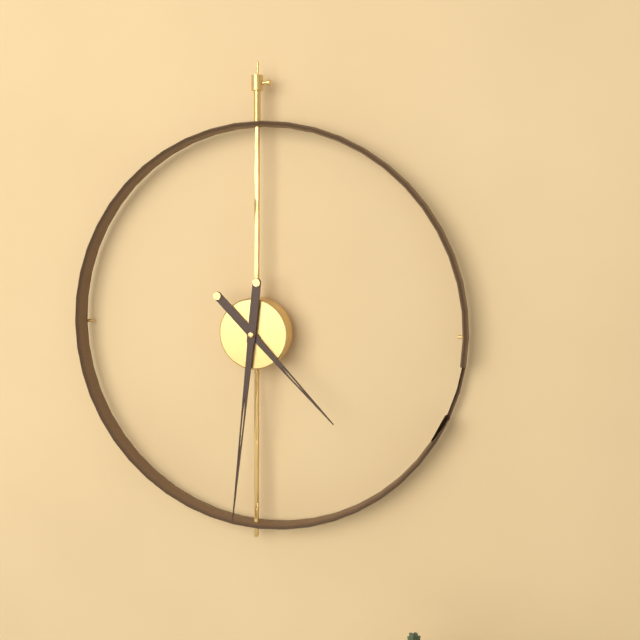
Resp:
**4:31**
